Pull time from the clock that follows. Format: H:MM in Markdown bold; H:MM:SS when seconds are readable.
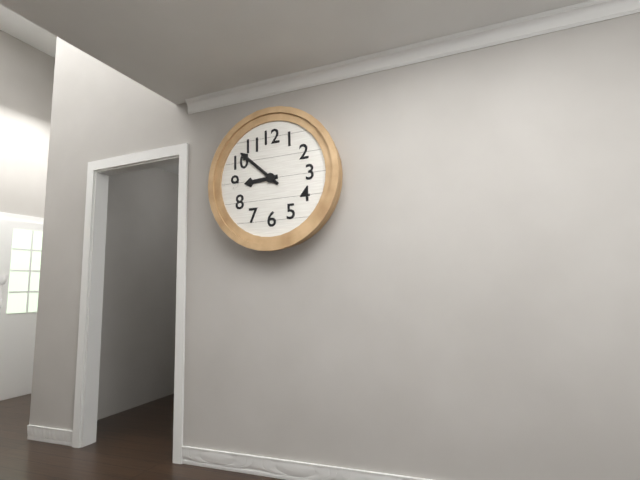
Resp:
**8:52**
